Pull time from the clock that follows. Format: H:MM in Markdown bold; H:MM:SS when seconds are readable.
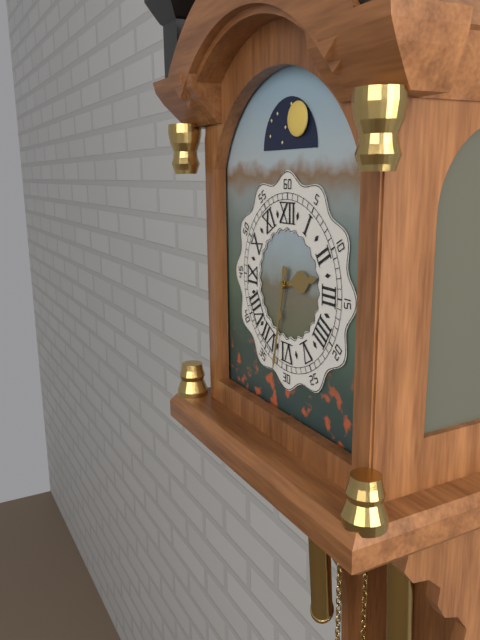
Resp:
**2:32**
